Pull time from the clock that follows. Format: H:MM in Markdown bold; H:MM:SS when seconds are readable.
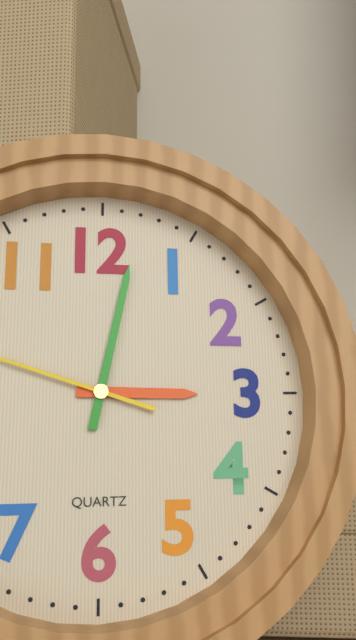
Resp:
**3:02**
